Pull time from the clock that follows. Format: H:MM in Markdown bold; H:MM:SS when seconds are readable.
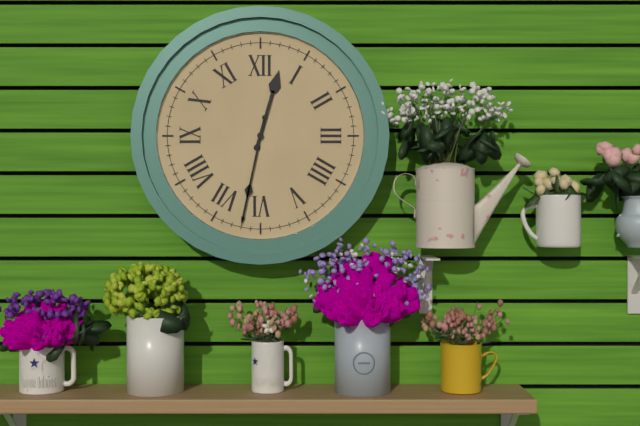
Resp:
**12:32**
